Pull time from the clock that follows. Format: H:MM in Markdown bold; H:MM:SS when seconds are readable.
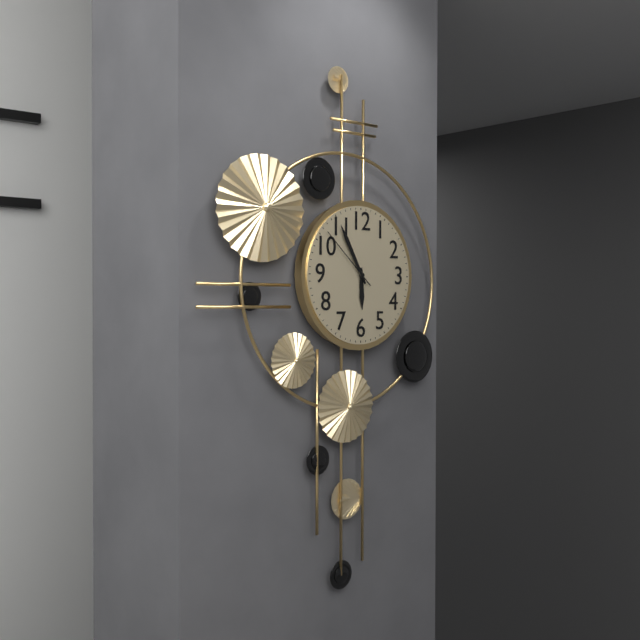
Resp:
**5:55:52**
